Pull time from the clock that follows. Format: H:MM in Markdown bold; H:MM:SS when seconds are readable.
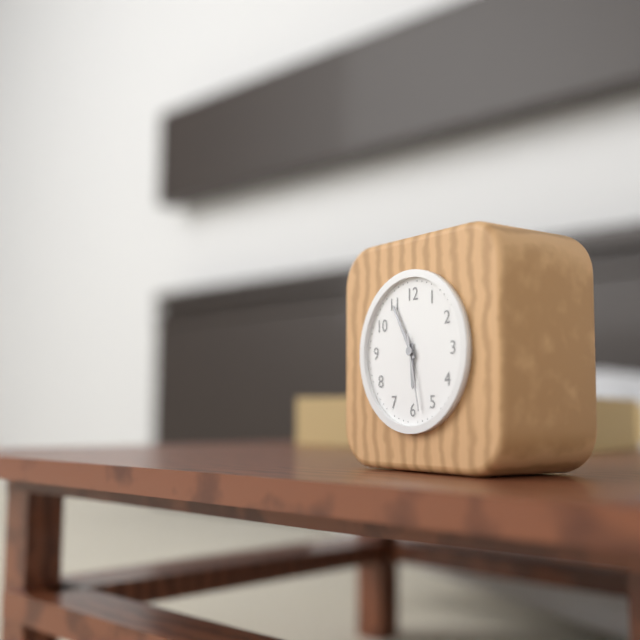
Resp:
**5:55:28**
